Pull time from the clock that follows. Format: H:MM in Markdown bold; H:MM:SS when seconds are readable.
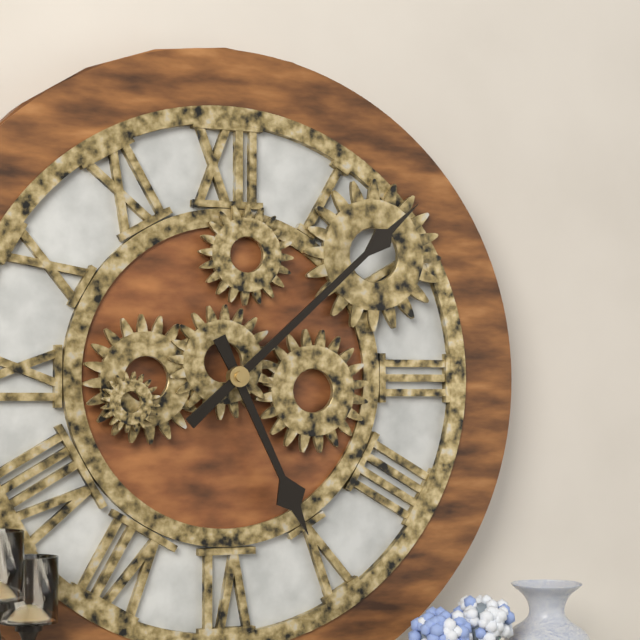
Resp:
**5:08**
